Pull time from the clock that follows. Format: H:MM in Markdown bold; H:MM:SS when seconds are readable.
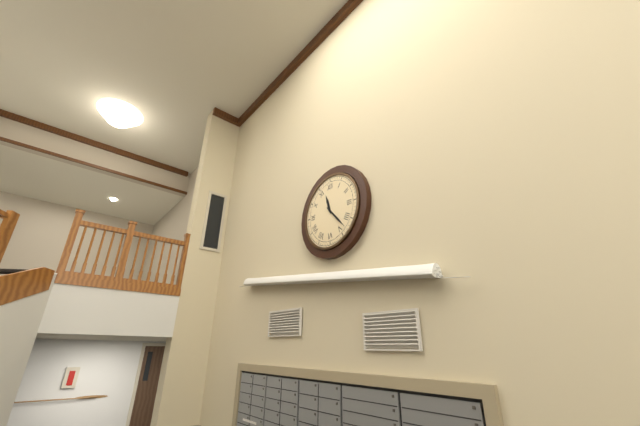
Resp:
**11:23**
